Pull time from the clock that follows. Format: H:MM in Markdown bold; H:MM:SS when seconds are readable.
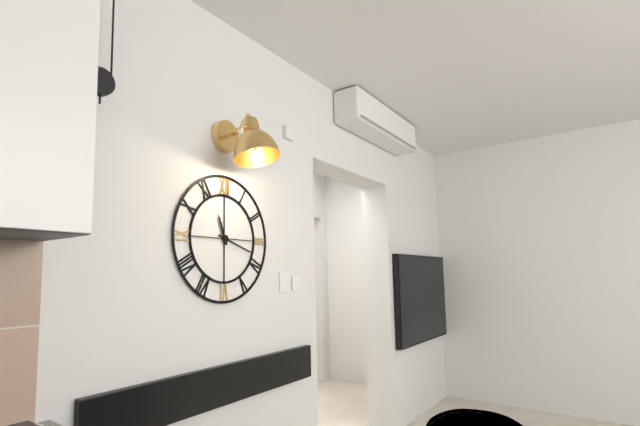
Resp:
**11:18**
